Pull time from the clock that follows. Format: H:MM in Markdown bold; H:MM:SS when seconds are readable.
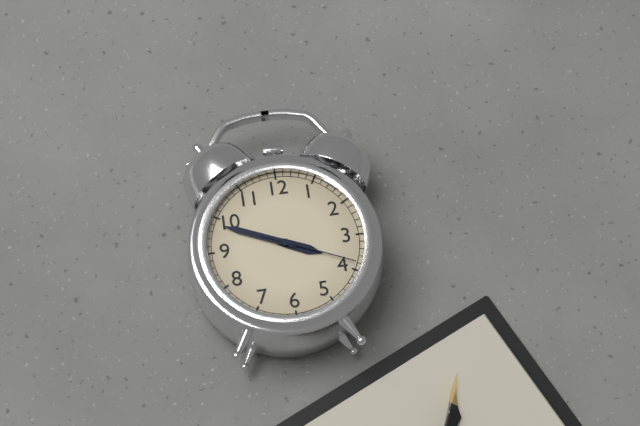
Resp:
**3:49:19**
